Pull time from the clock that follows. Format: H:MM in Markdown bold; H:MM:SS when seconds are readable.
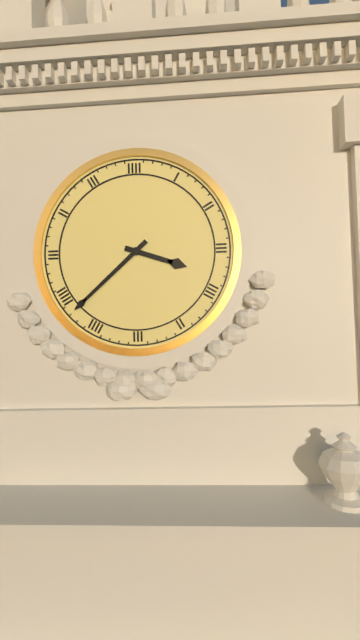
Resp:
**3:38**
